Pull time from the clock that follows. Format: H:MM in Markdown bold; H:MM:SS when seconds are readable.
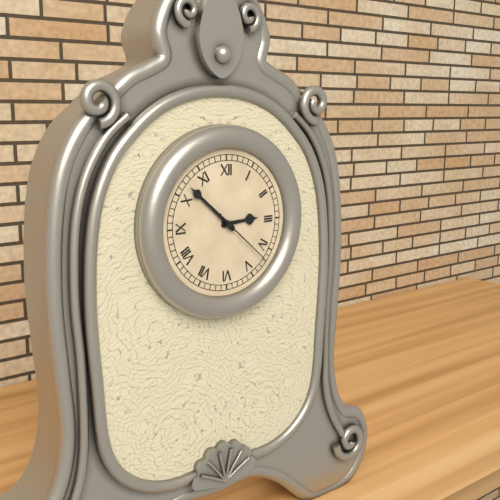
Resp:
**2:52:22**
